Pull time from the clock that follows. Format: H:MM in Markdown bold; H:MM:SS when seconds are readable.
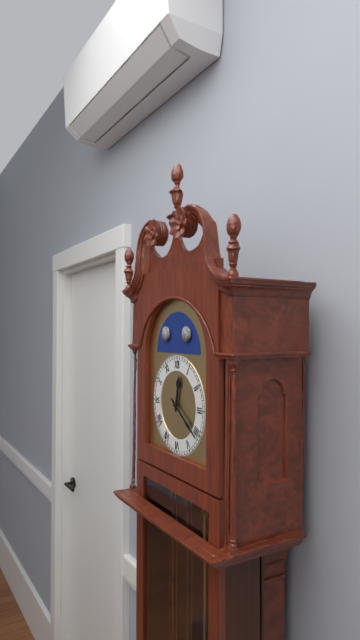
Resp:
**12:21**
